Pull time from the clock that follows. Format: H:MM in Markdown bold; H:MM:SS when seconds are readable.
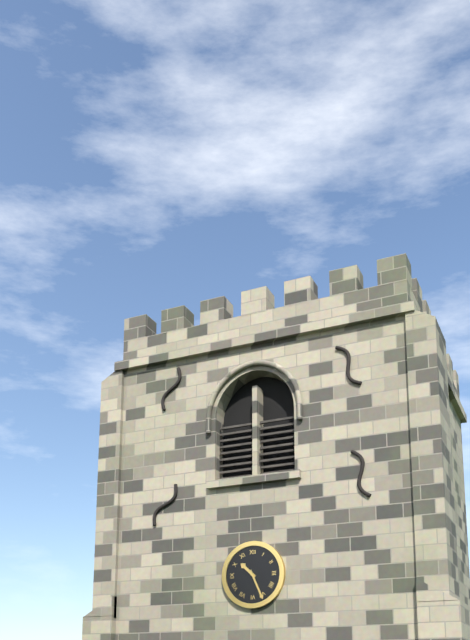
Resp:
**10:26**
